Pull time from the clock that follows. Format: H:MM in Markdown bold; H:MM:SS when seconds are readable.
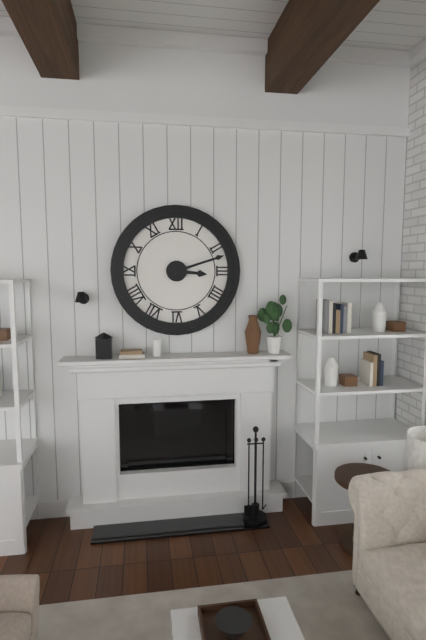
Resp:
**3:12**
